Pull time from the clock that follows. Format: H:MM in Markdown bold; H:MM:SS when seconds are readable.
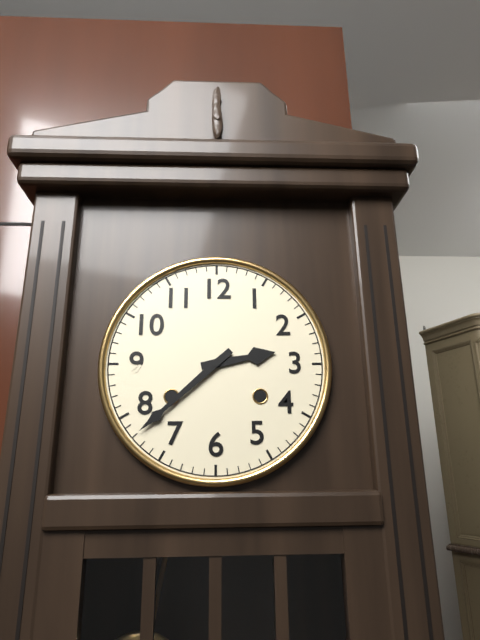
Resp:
**2:38**
